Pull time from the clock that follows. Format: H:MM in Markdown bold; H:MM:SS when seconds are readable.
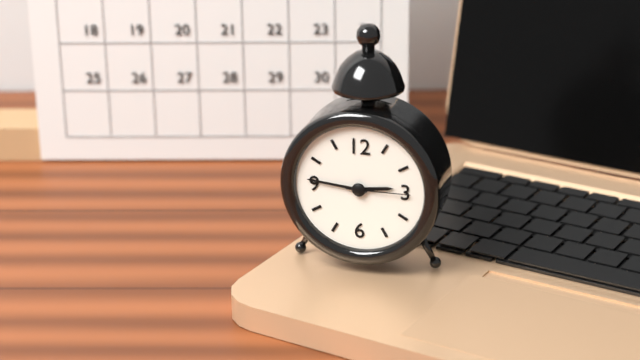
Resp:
**2:46:15**
